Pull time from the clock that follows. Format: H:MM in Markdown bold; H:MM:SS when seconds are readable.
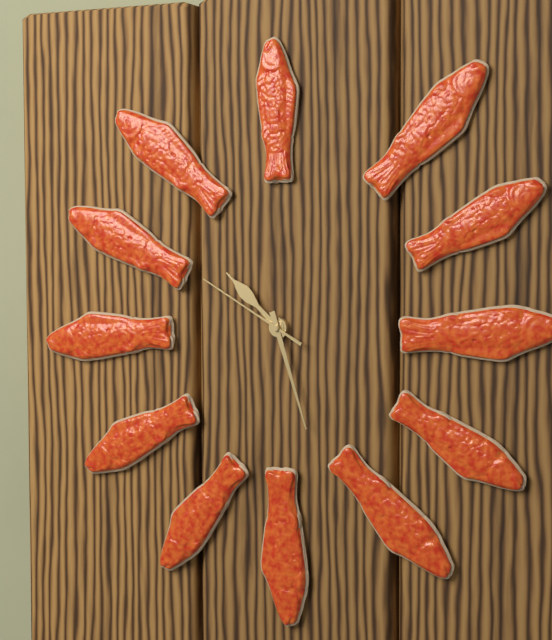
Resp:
**10:27:50**
